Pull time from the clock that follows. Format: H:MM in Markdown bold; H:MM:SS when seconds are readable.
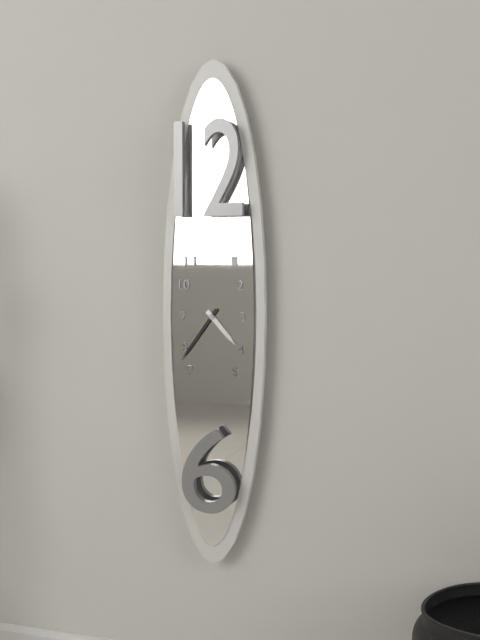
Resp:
**4:36**
